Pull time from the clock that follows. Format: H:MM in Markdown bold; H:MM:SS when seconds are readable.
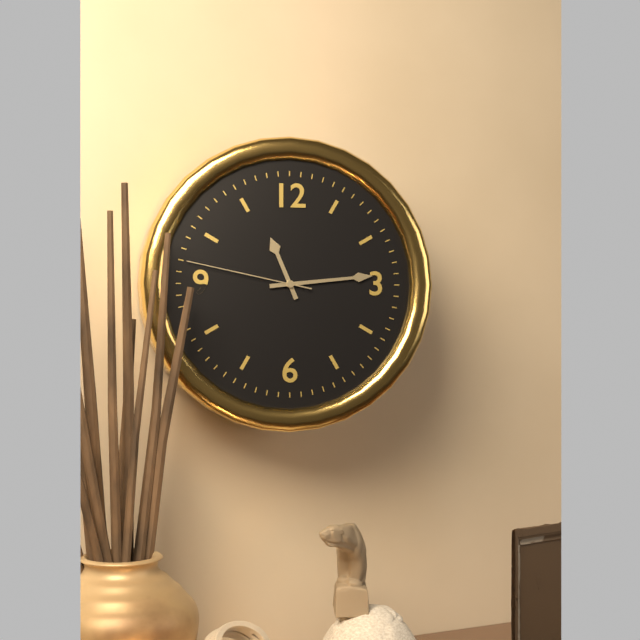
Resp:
**11:14:47**
